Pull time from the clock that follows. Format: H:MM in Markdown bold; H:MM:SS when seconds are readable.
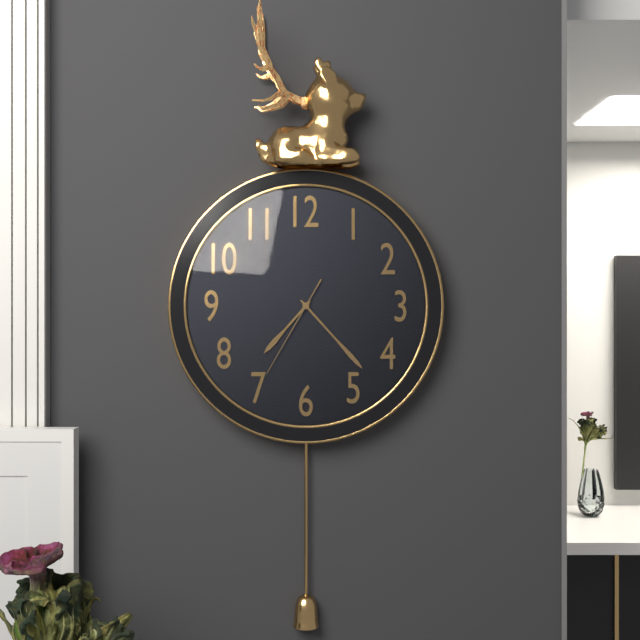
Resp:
**7:23:35**
